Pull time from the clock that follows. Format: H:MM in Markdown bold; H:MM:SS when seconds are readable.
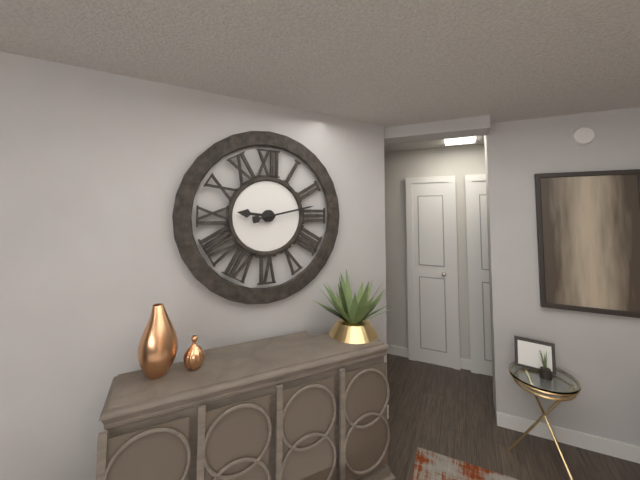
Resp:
**9:13**
